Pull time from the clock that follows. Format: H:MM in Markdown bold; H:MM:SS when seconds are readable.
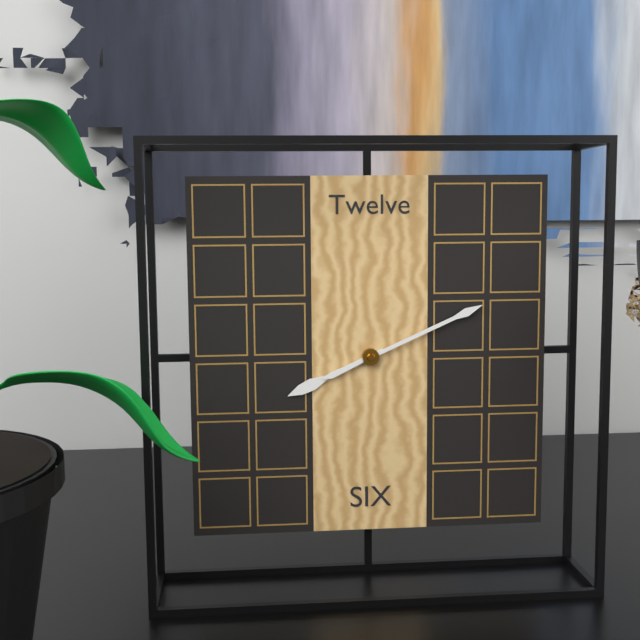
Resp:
**8:11**
